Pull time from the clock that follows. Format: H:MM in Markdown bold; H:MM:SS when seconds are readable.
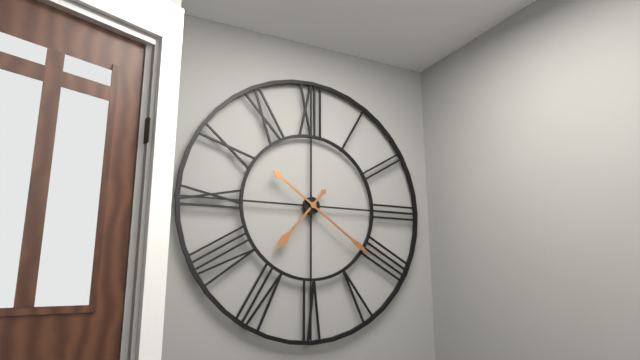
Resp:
**7:21**
